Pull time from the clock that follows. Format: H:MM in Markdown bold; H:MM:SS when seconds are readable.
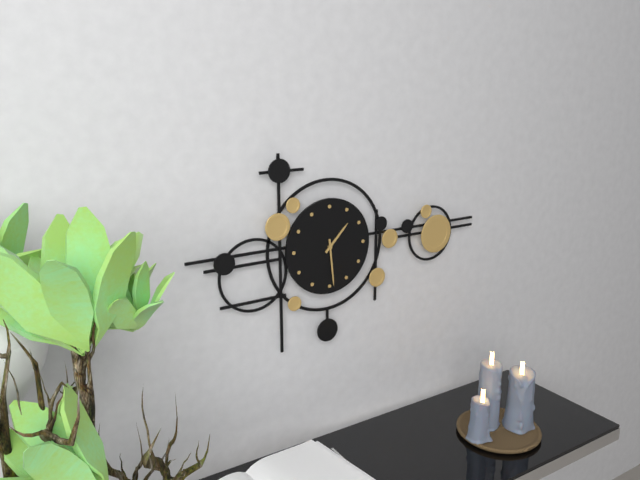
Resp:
**1:29**
